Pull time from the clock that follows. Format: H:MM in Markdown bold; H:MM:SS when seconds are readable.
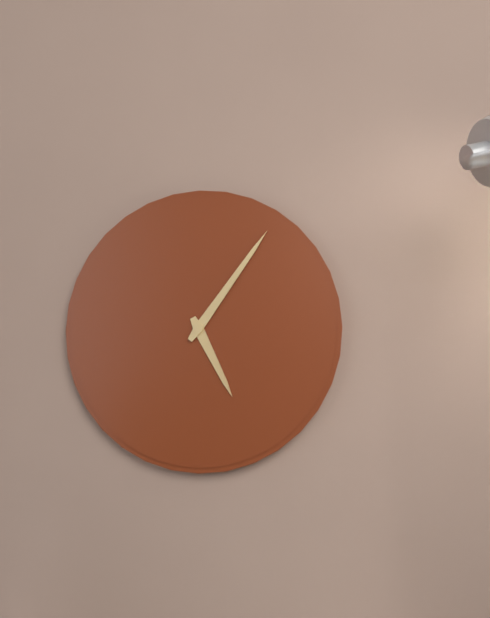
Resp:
**5:06**
